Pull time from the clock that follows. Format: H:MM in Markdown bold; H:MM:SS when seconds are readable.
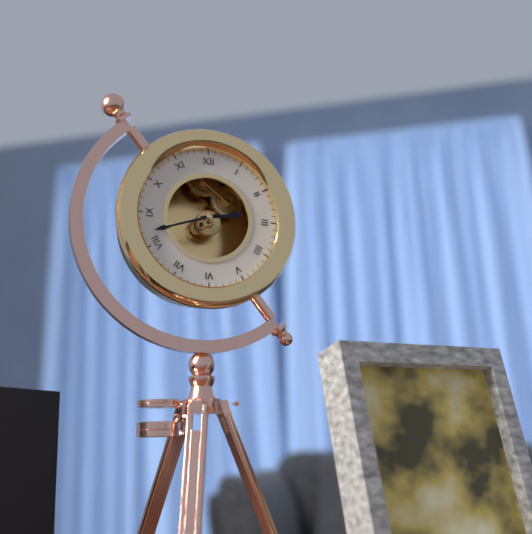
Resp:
**2:42**
